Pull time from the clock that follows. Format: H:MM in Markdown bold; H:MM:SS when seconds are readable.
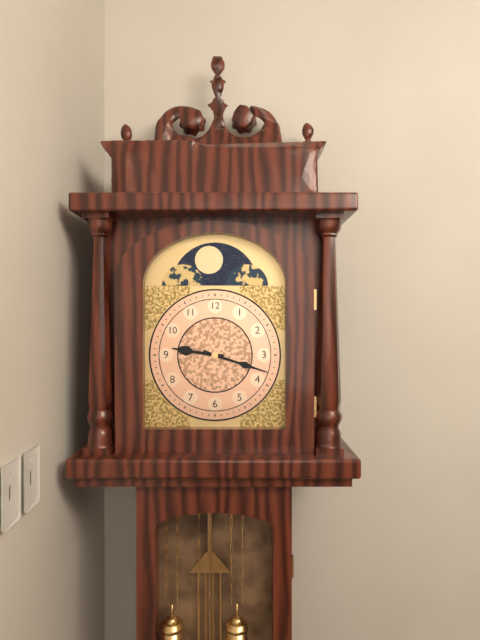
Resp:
**9:18**
